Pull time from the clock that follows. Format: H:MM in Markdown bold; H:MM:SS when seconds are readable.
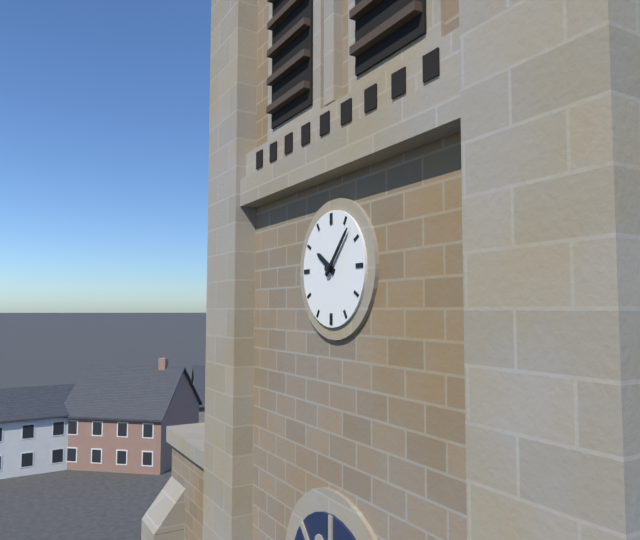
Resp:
**10:07**
